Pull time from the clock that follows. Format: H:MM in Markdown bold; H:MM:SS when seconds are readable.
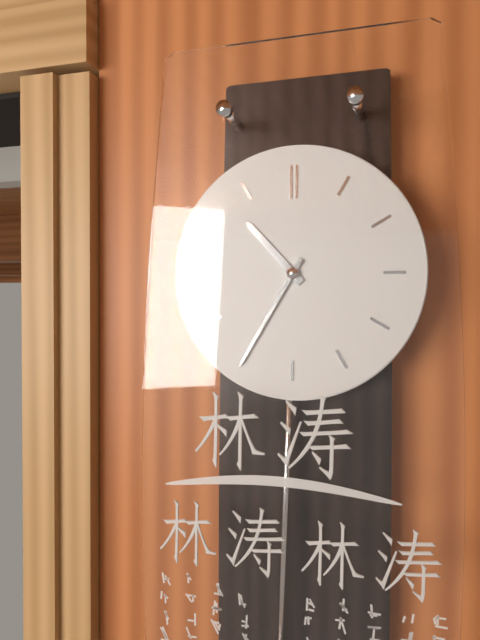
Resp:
**10:35**
